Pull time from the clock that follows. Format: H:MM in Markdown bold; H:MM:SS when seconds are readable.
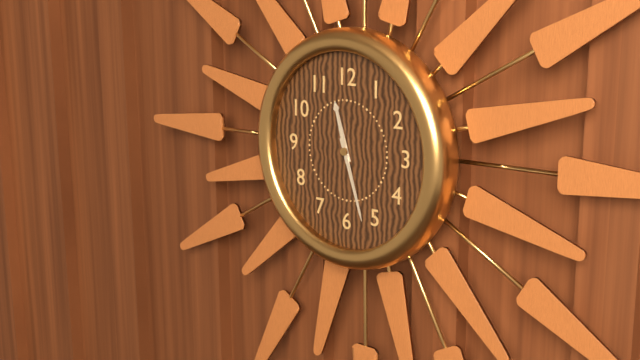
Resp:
**11:27**
